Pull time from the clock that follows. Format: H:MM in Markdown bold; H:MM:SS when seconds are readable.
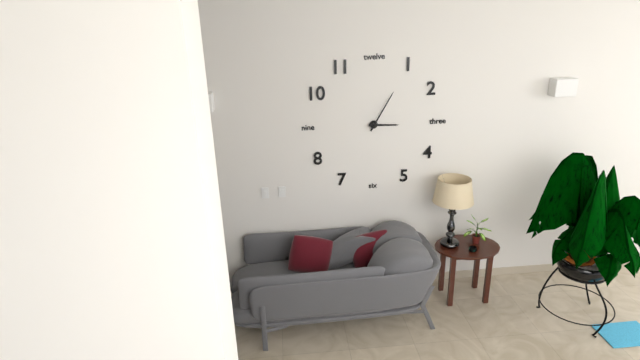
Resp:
**3:05**
